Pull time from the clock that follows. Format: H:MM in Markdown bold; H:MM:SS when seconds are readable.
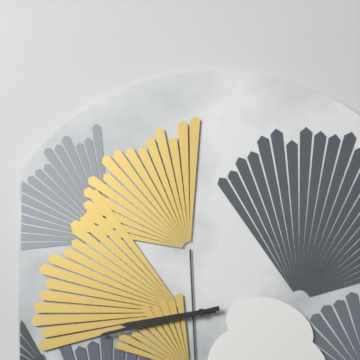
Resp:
**8:43**
